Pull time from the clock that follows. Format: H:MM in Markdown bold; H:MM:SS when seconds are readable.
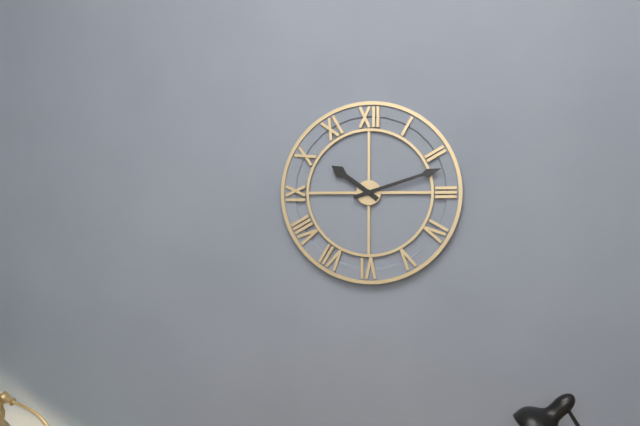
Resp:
**10:12**
